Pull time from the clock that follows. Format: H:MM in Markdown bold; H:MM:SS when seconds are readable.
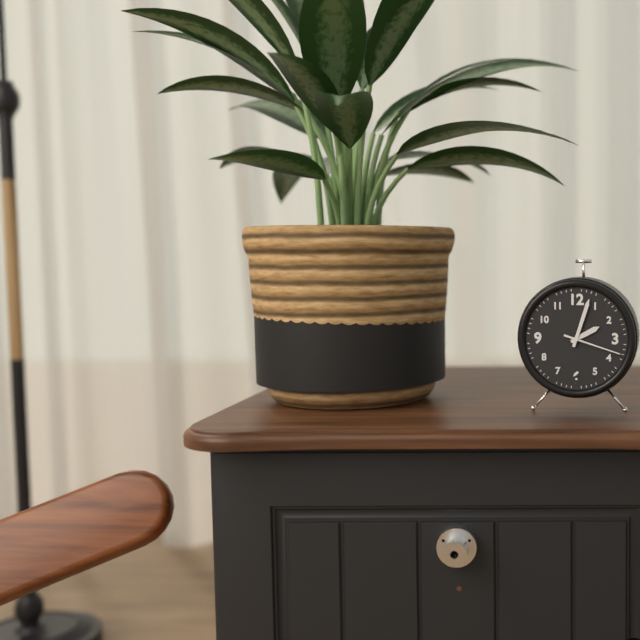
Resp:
**2:03:18**
